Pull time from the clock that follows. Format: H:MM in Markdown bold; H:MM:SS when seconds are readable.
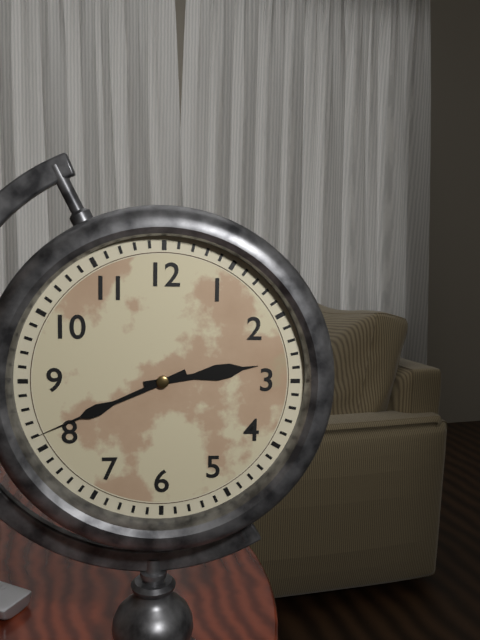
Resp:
**2:41**
